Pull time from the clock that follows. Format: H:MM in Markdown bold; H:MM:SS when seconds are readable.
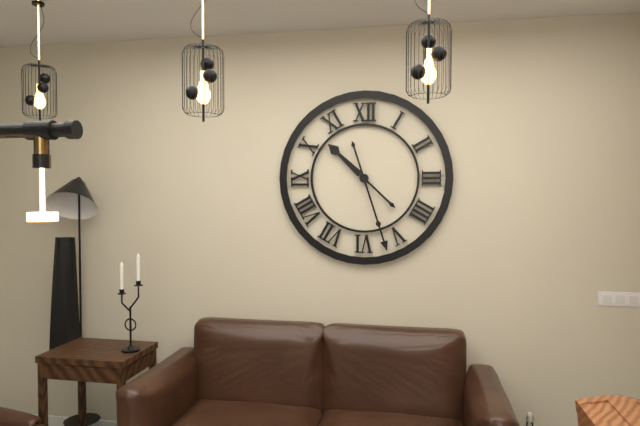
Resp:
**10:27**
